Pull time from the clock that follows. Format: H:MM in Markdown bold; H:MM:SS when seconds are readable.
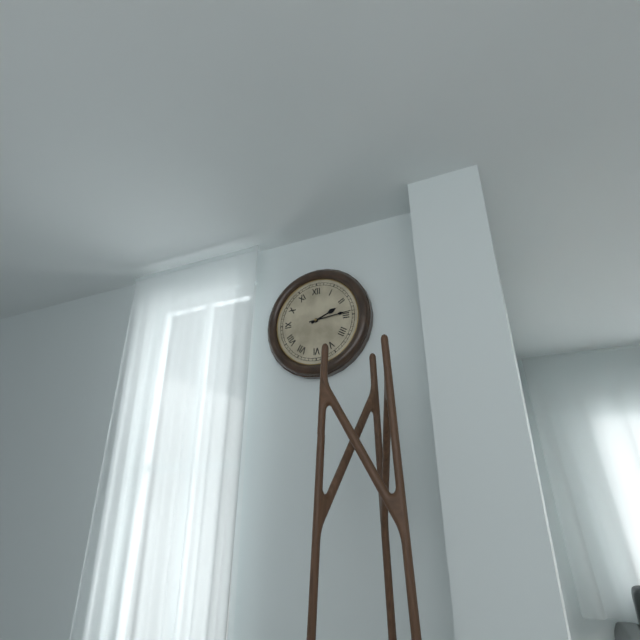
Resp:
**2:14**
